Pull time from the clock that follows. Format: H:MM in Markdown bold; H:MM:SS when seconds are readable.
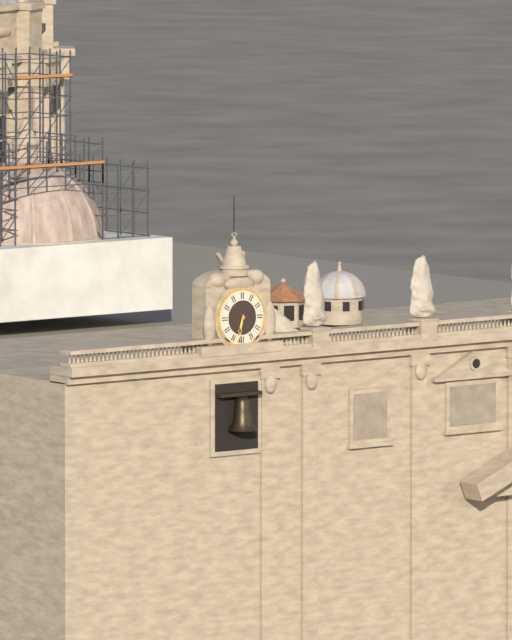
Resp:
**6:32**
